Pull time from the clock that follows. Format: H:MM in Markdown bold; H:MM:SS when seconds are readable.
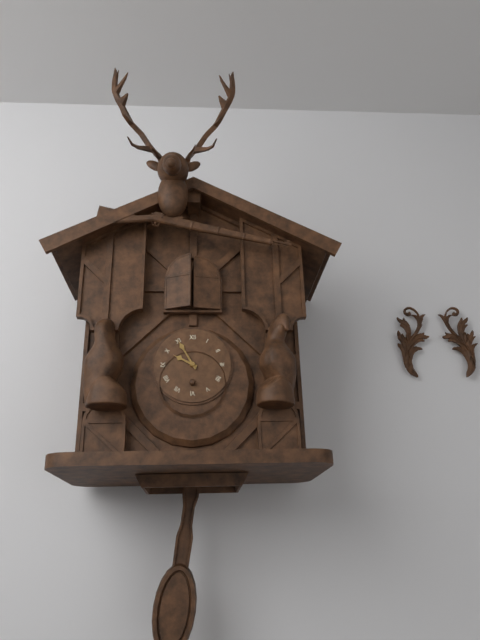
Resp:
**9:55**
